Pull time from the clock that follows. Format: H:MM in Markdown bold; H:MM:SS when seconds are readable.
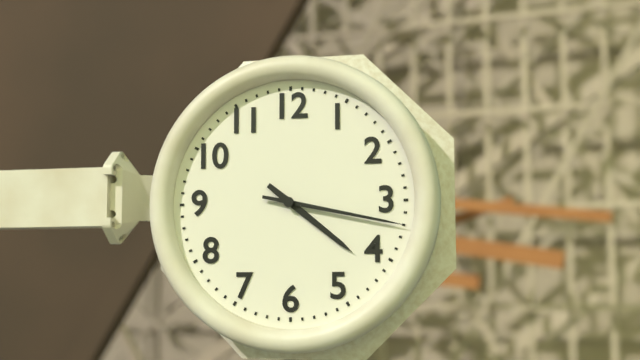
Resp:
**4:17**
